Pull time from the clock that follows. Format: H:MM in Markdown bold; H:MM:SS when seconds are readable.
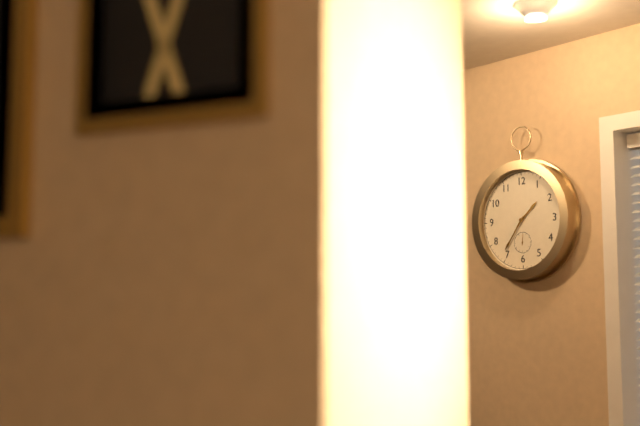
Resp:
**1:36**
